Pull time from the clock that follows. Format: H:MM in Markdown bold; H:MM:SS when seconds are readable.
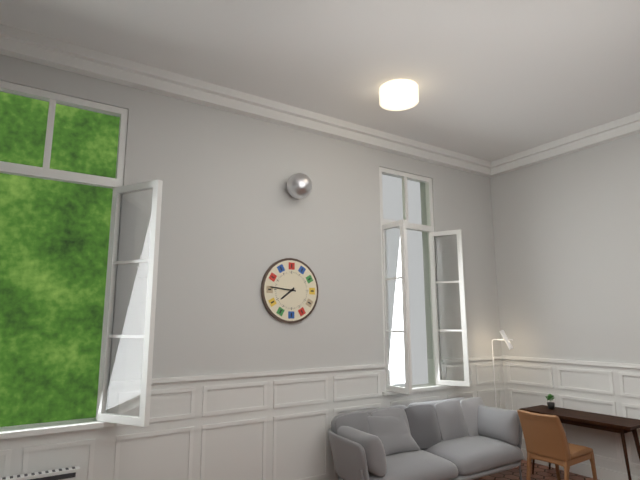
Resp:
**7:46**
